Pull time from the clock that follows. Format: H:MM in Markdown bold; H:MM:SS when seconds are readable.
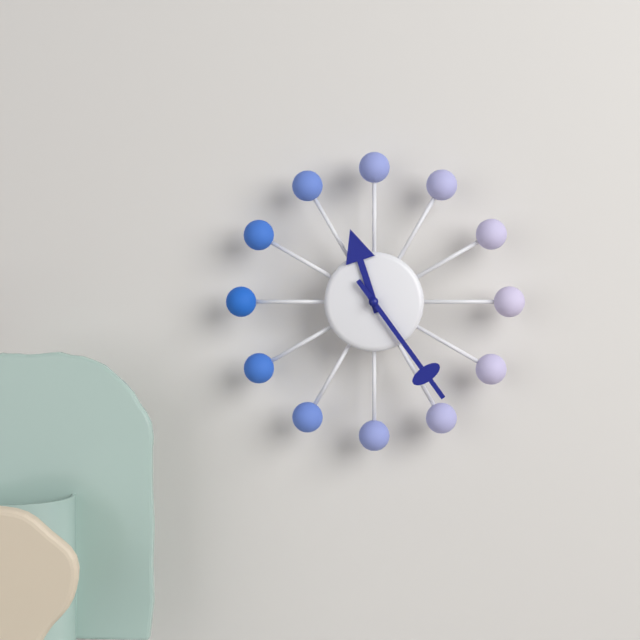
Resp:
**11:24**
